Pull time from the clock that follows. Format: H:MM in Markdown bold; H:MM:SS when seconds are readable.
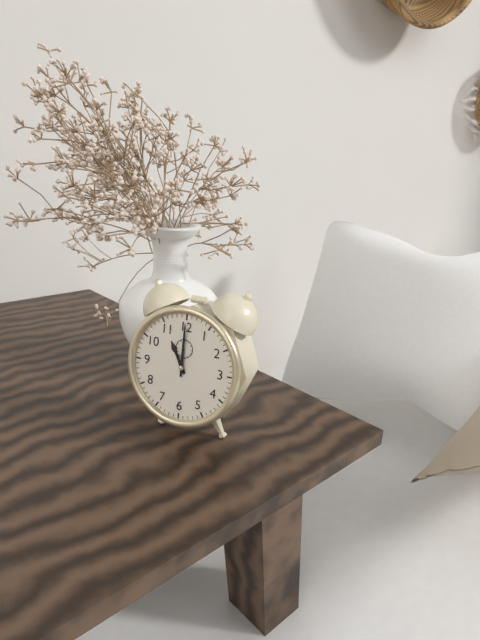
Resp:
**11:00**
